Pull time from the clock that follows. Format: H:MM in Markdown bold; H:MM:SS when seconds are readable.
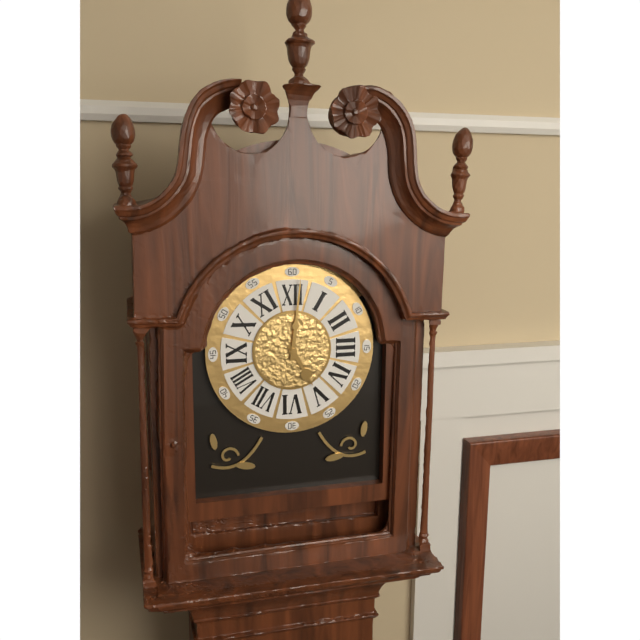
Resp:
**5:01**
